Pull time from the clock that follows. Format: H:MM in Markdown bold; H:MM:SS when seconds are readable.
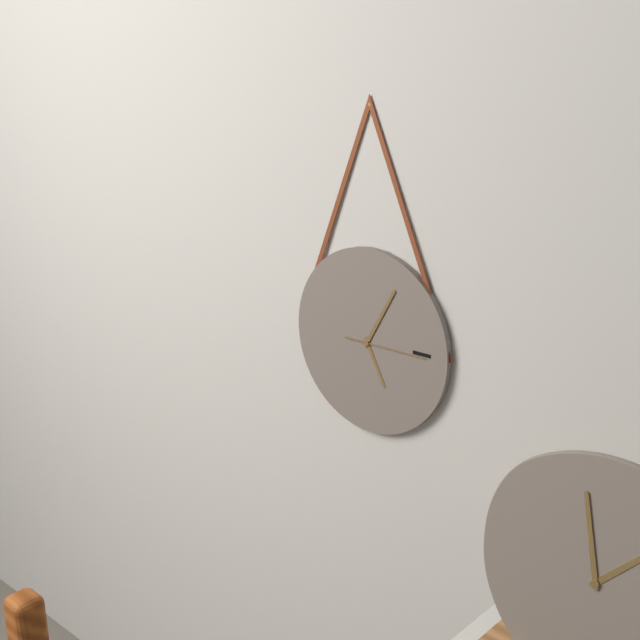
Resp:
**5:05:15**
